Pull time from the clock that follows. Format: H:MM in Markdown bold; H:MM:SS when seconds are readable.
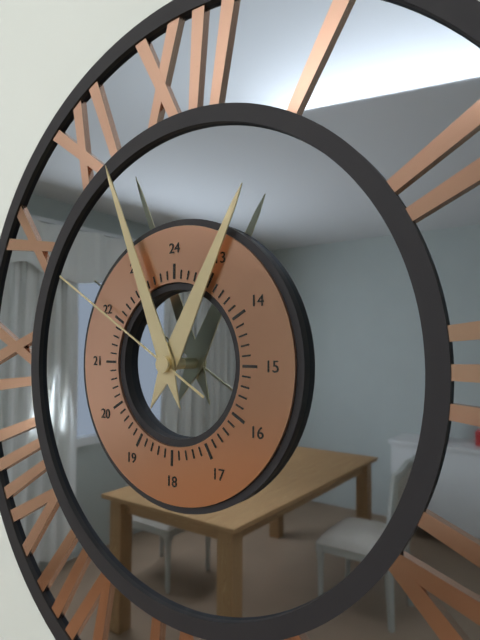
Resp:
**12:56:50**
